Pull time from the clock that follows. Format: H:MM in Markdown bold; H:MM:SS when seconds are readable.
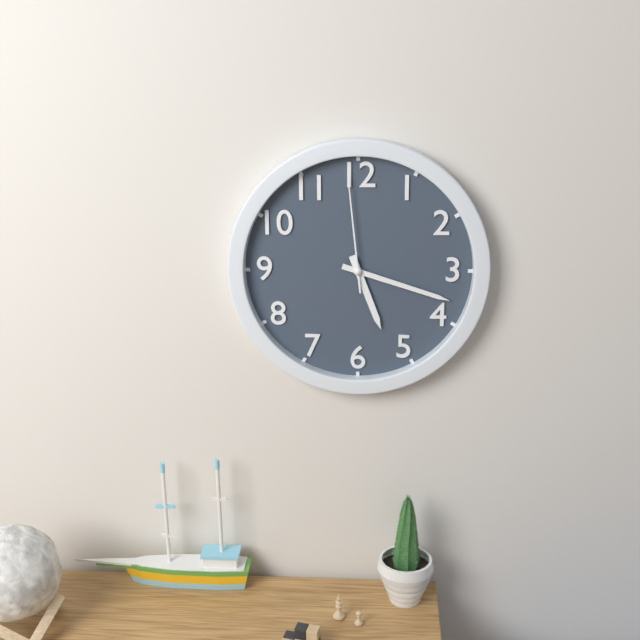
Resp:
**5:18:59**
